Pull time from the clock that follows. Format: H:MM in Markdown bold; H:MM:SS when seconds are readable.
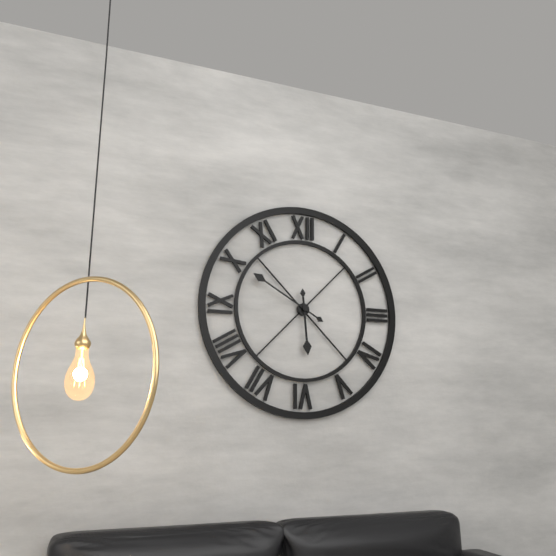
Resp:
**5:50**
